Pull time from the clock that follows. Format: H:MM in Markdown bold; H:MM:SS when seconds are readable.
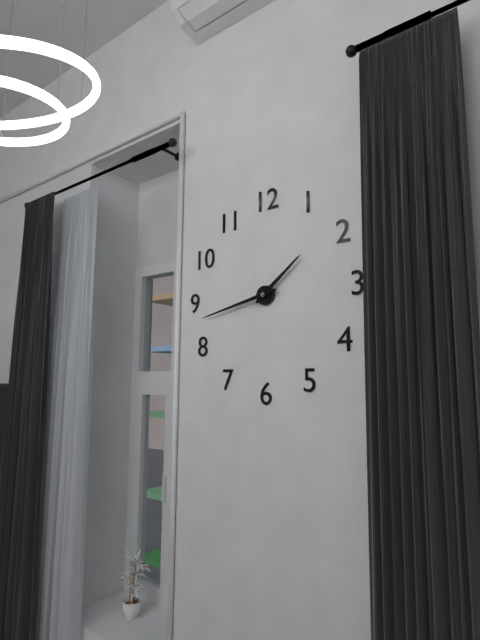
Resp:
**1:43**
